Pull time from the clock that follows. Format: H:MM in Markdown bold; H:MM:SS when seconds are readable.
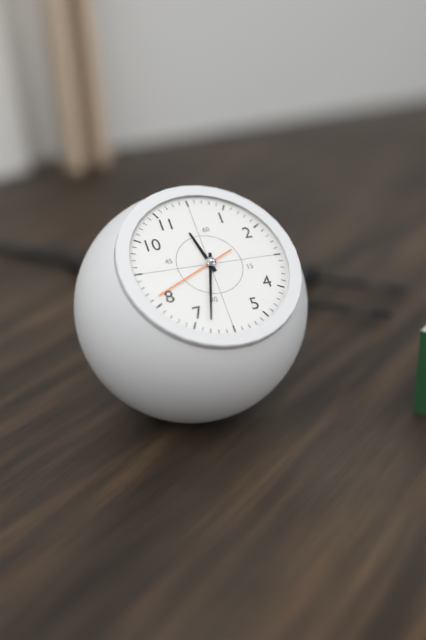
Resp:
**11:33:41**
